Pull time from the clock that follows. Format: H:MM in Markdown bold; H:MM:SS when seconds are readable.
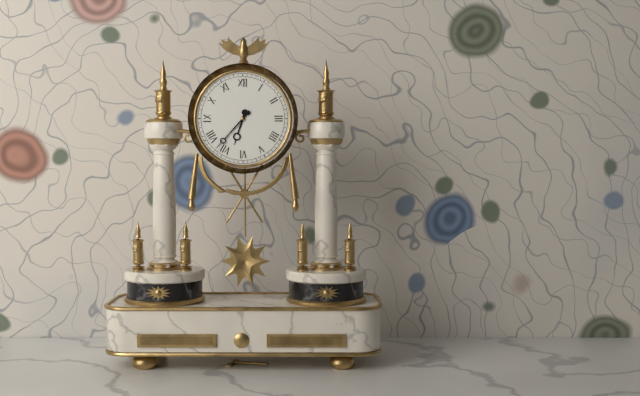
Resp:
**6:37**
